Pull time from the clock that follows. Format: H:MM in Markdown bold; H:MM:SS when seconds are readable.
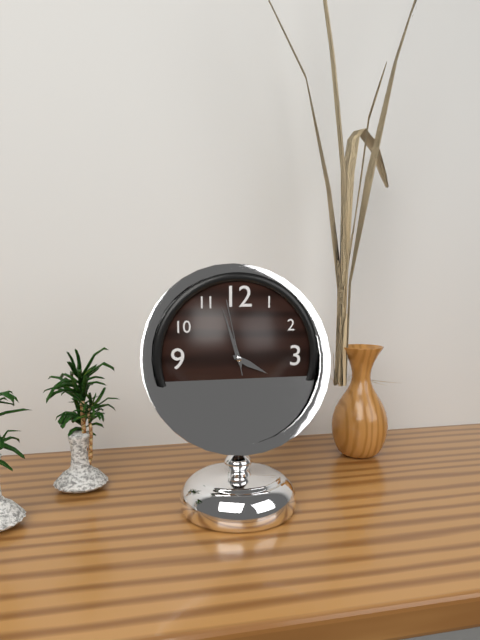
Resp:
**3:57:58**
